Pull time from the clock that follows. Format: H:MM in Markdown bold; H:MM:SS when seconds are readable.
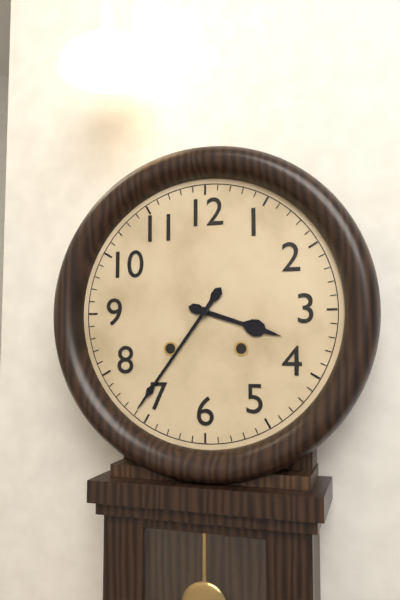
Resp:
**3:36**
